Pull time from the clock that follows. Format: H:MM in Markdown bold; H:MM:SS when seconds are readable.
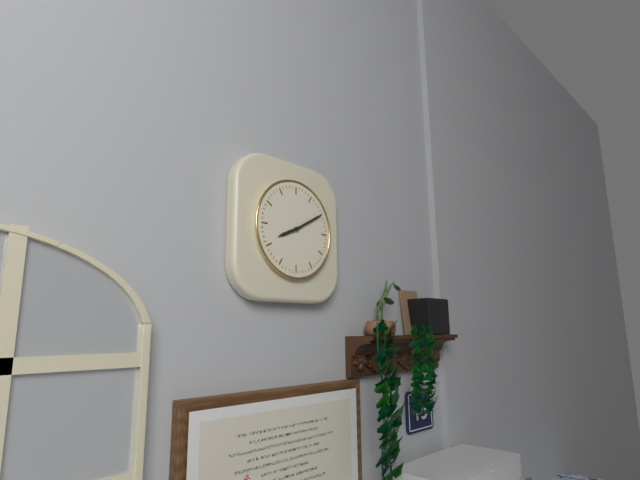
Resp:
**8:10**
